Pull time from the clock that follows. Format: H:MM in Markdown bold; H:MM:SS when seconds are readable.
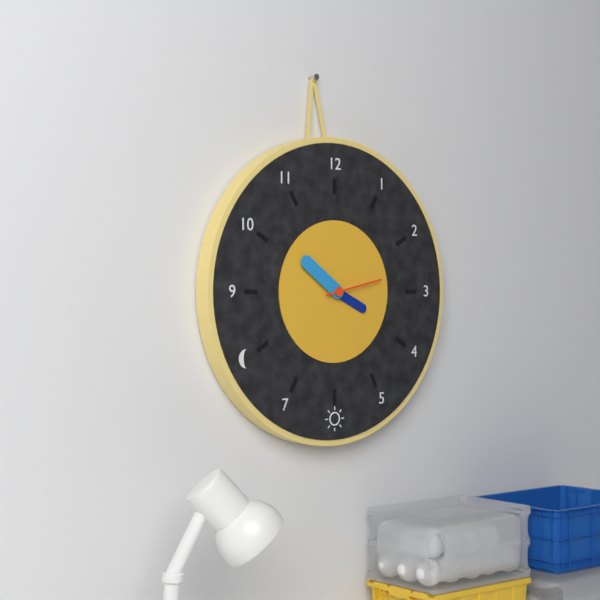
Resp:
**3:51:13**
